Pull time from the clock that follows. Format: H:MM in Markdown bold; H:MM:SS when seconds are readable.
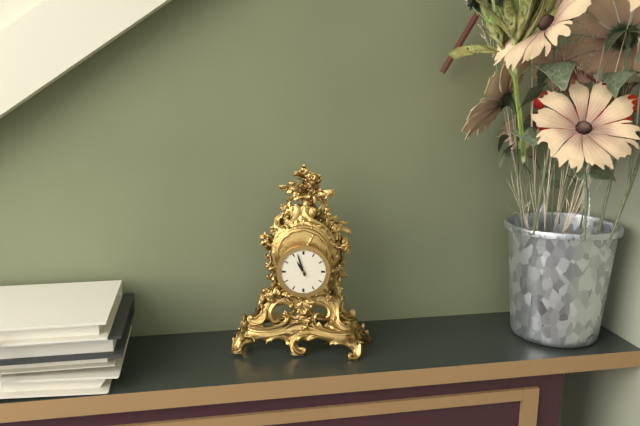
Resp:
**10:57**
